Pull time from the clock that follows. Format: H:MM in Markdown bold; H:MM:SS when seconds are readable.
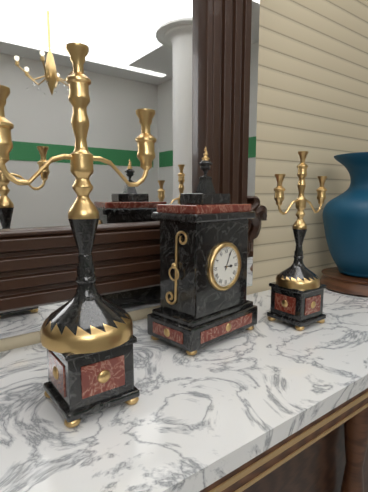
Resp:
**3:04**
